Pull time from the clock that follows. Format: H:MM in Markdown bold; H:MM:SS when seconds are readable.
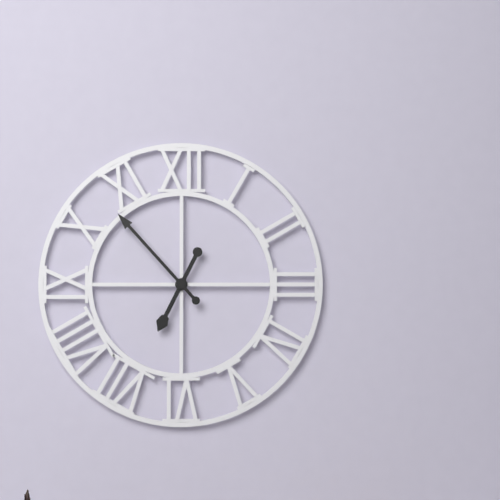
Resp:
**6:53**
